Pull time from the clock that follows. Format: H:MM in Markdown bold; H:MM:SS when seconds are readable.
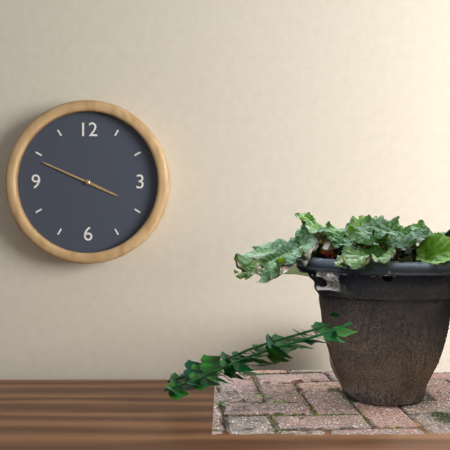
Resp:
**3:49**
